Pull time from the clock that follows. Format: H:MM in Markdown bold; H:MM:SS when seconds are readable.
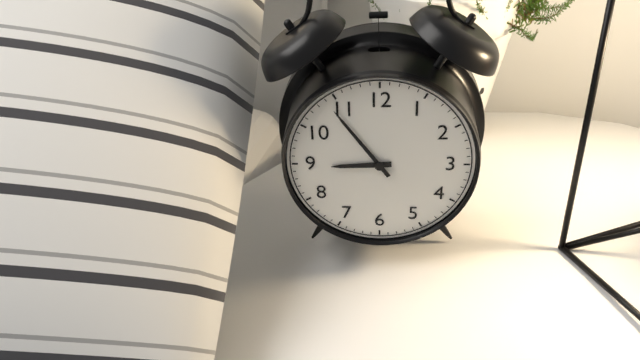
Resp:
**8:54**
